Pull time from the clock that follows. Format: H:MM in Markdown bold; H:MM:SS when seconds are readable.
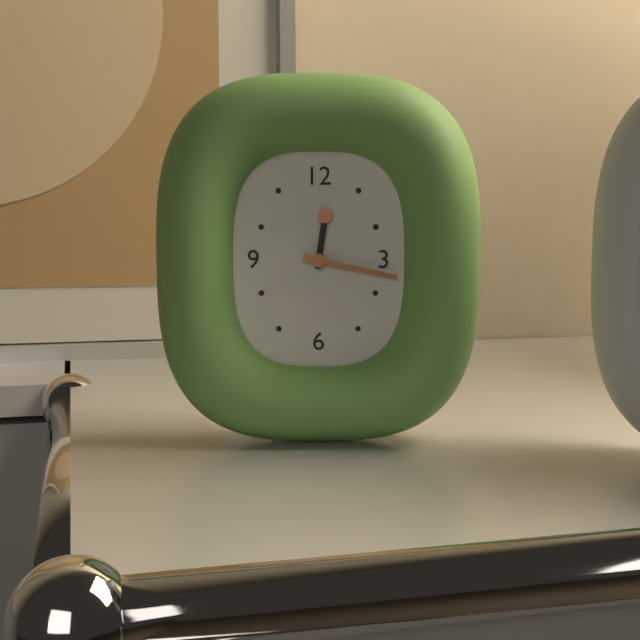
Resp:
**12:17**
